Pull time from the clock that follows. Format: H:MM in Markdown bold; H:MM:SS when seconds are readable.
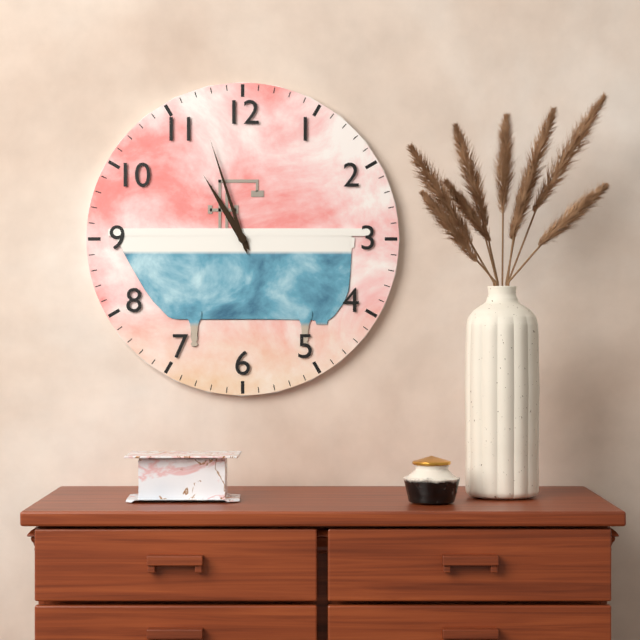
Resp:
**10:57**
